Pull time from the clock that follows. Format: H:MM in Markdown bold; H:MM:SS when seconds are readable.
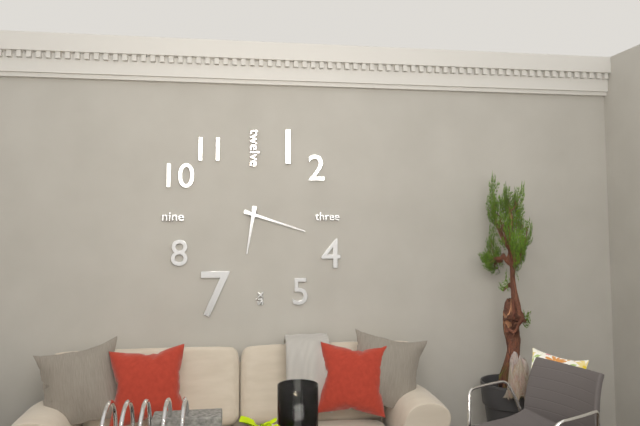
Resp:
**6:18**
